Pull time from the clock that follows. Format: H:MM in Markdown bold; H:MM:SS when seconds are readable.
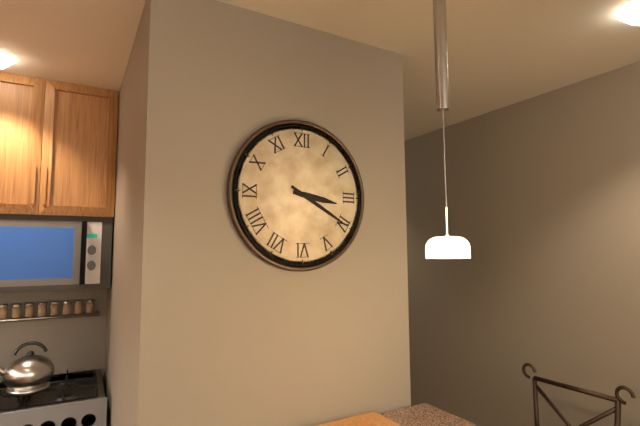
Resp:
**3:20**
